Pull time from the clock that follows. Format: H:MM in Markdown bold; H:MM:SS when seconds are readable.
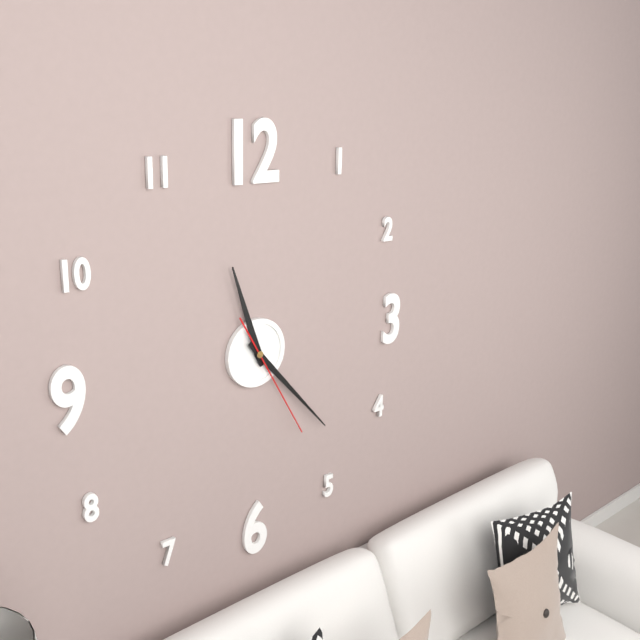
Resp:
**11:23:25**
